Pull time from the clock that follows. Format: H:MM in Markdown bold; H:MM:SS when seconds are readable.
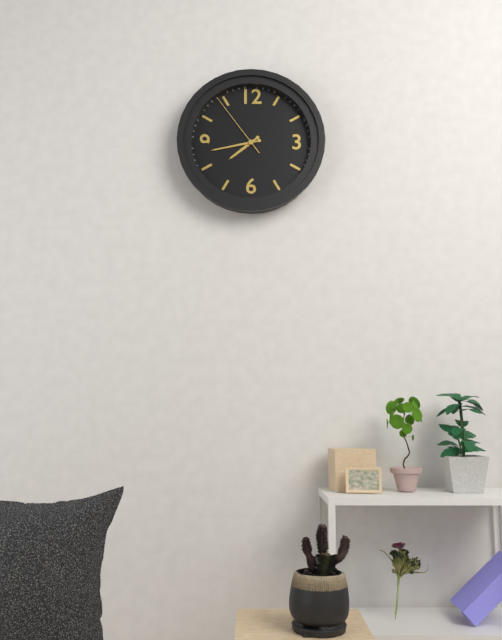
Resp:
**7:43:54**
